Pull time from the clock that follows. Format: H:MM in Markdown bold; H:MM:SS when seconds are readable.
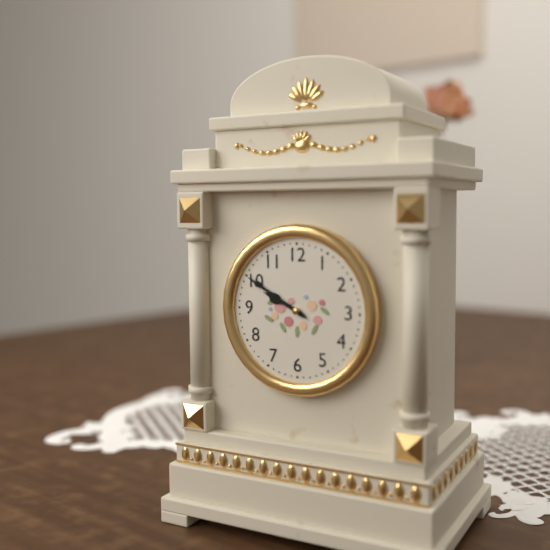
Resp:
**9:50**
